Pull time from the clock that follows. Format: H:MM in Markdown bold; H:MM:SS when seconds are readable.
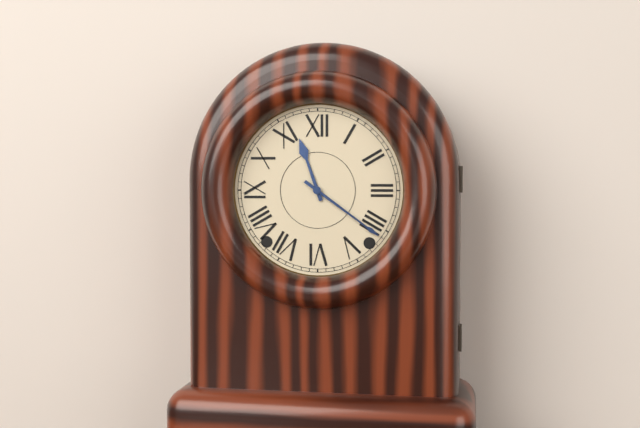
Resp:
**11:21**
